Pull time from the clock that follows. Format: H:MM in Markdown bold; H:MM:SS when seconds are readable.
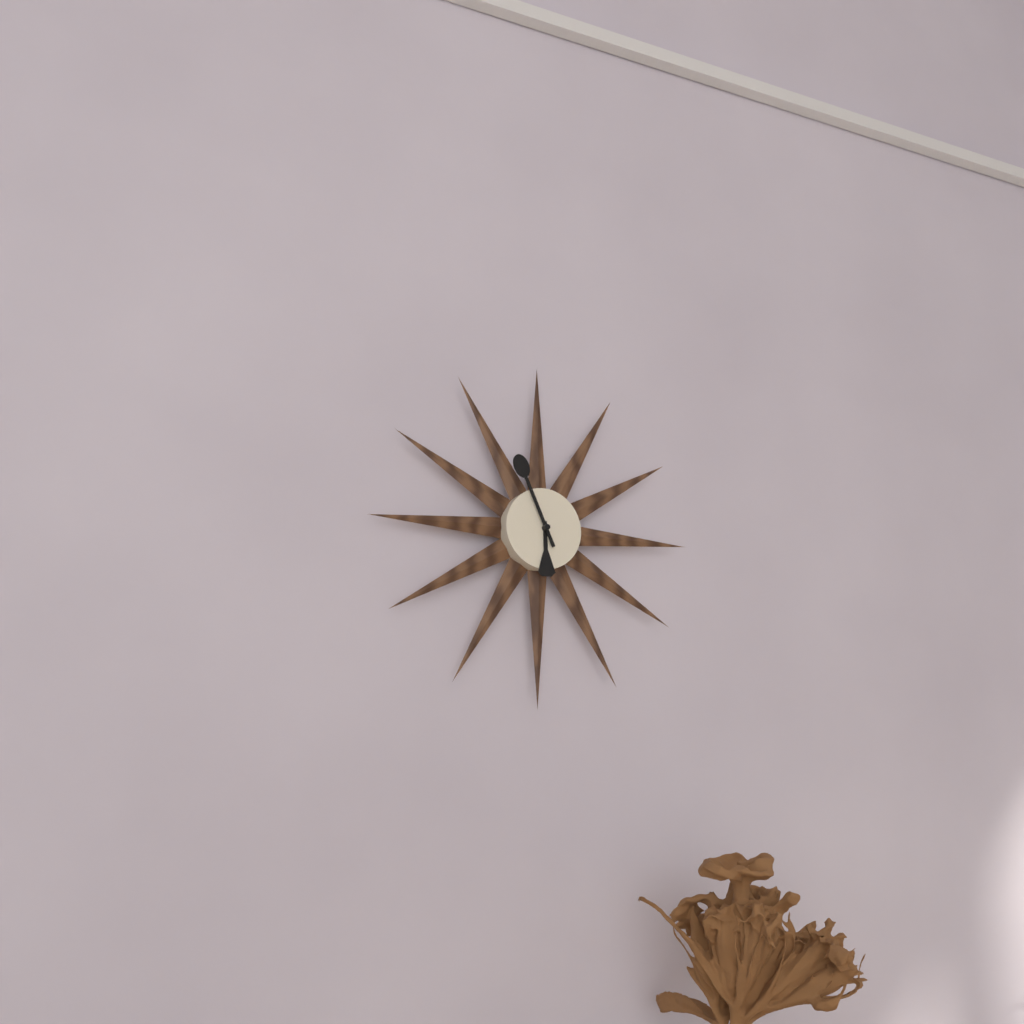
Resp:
**5:56**
